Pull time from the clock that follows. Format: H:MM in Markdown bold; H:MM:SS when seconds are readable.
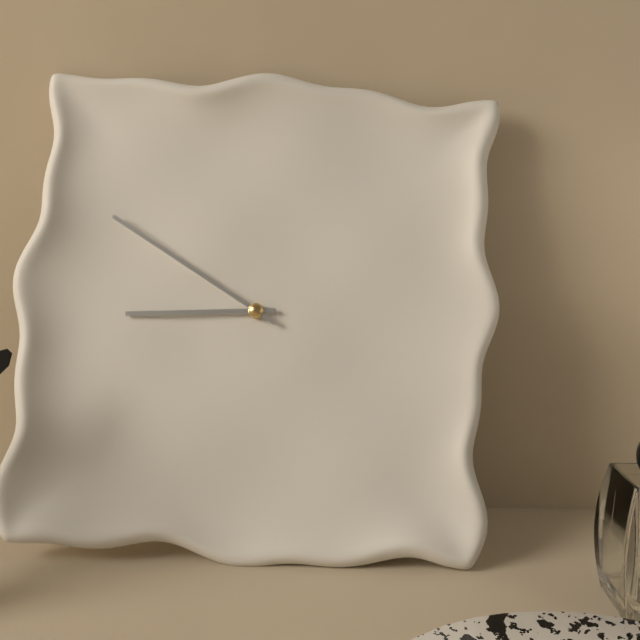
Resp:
**8:50**
